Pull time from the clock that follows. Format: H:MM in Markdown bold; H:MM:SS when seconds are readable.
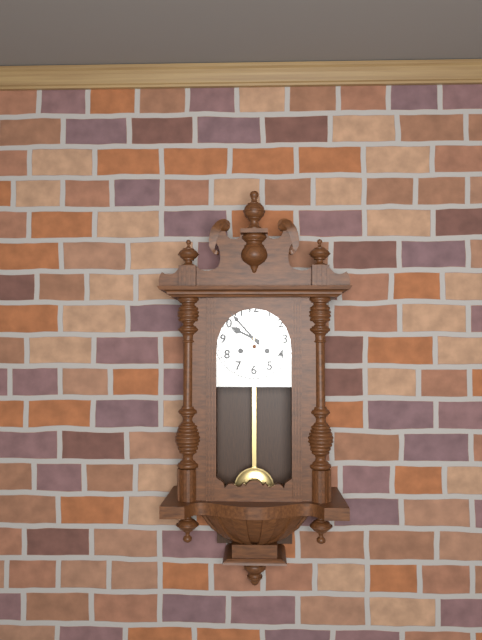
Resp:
**9:53**
